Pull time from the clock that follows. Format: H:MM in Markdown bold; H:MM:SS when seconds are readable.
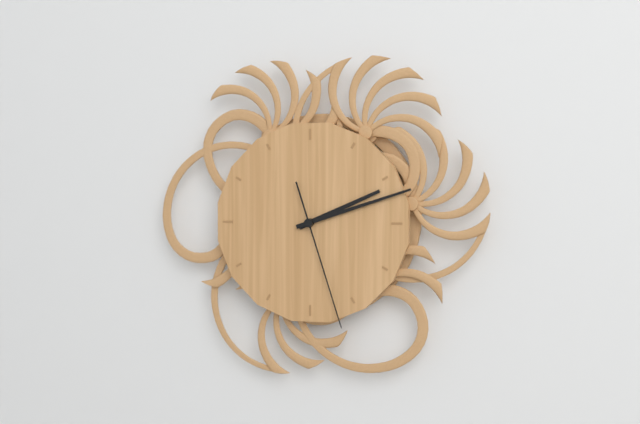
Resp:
**2:12:27**
